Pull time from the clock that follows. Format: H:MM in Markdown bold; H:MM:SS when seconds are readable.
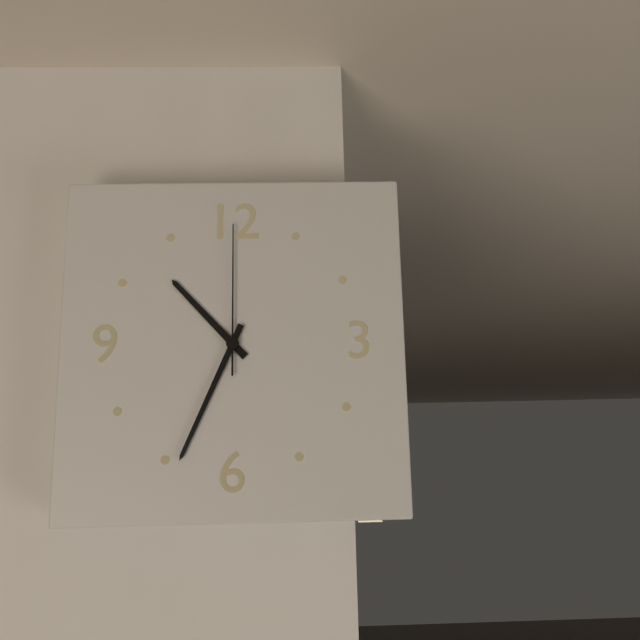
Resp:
**10:34:00**
